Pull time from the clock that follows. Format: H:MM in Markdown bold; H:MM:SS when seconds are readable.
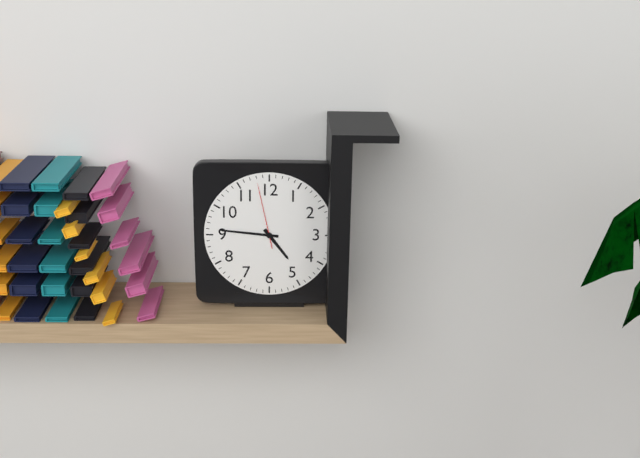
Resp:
**4:46:58**
